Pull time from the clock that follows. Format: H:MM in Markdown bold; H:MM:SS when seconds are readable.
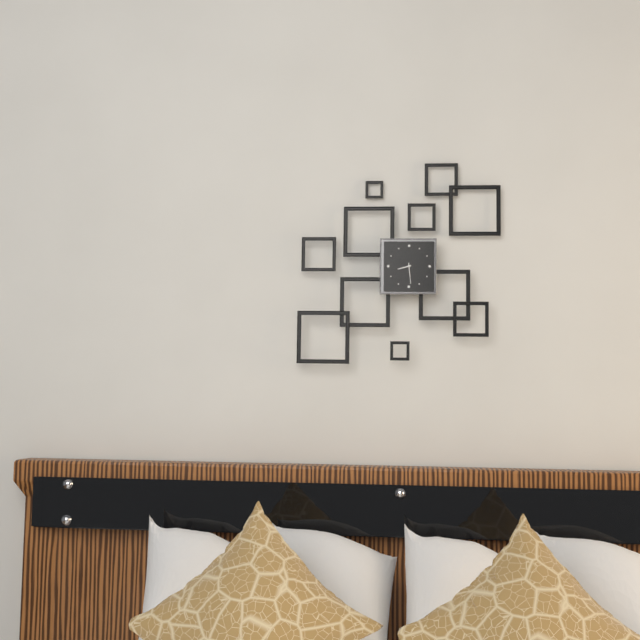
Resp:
**8:29**
